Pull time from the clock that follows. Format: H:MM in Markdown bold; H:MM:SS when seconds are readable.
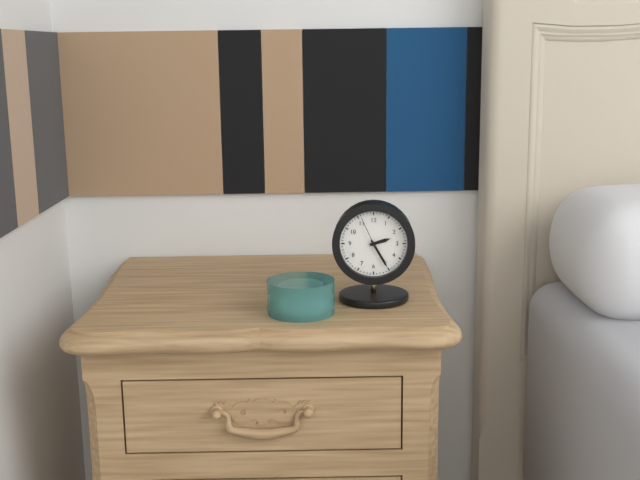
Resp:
**2:25**
